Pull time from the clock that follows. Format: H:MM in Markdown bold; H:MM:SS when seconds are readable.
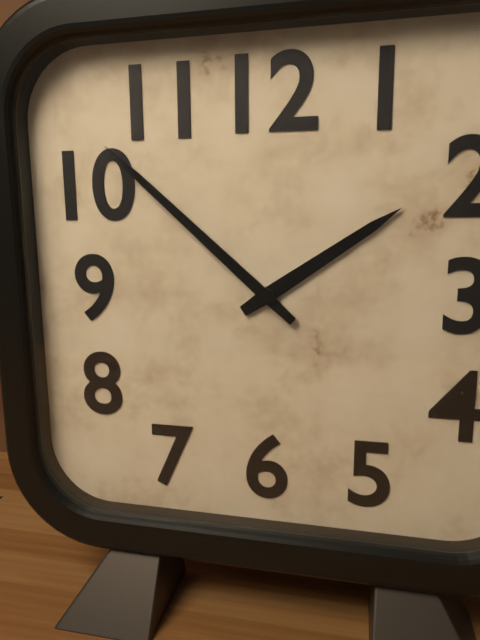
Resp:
**1:52**
